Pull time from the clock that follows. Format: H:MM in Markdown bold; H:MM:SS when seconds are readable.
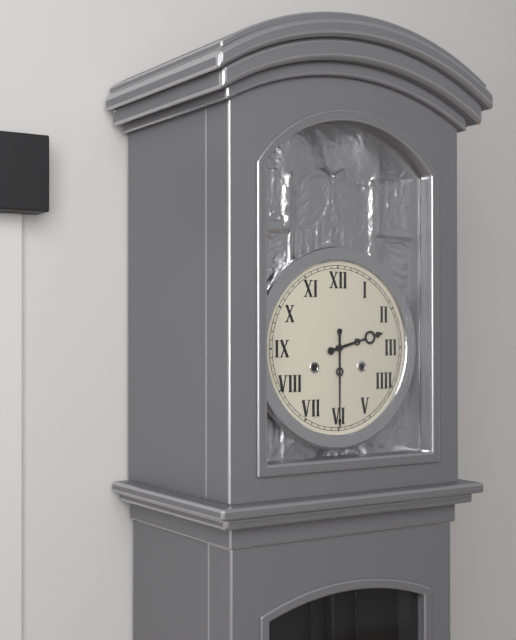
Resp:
**2:30**
